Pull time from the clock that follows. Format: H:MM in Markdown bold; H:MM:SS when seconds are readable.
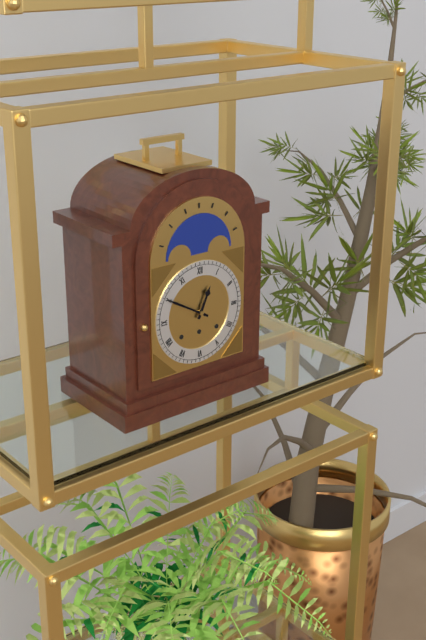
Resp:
**12:50**
